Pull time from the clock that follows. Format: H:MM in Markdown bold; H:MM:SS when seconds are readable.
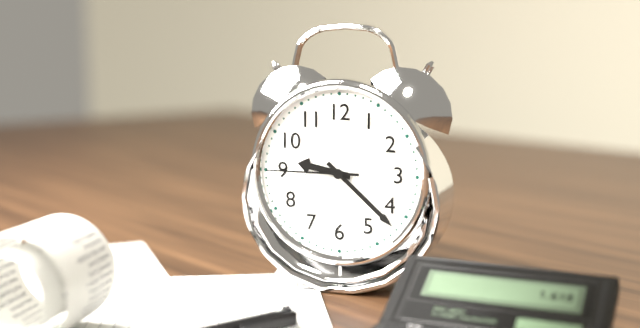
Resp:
**9:22:45**
